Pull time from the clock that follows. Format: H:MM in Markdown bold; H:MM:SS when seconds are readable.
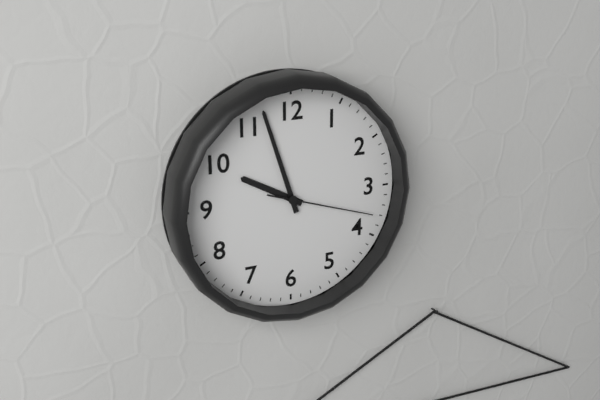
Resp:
**9:57:18**
